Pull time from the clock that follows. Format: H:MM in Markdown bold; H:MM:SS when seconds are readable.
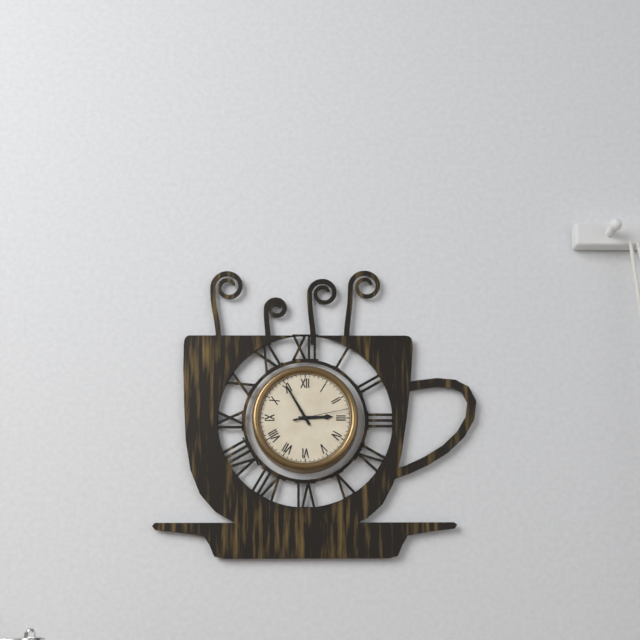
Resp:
**2:55:13**
